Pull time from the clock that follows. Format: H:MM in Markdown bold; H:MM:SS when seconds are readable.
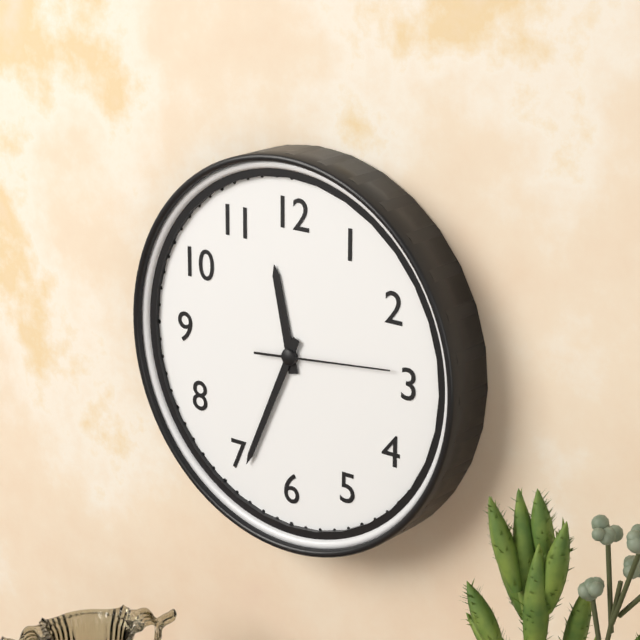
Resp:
**11:34:14**
